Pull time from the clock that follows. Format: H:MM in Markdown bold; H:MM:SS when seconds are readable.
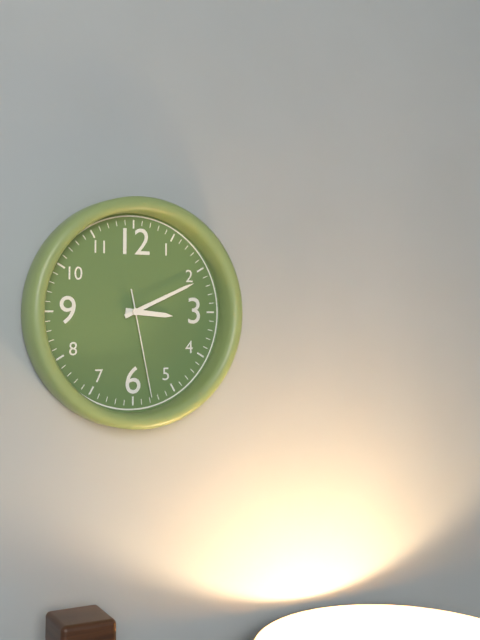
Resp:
**3:11:28**
